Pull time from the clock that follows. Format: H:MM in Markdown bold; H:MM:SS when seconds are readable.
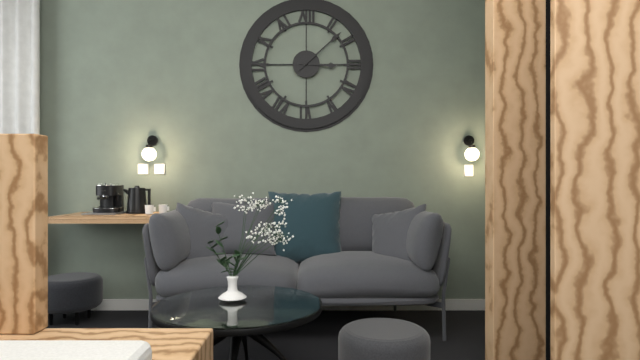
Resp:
**3:08**
